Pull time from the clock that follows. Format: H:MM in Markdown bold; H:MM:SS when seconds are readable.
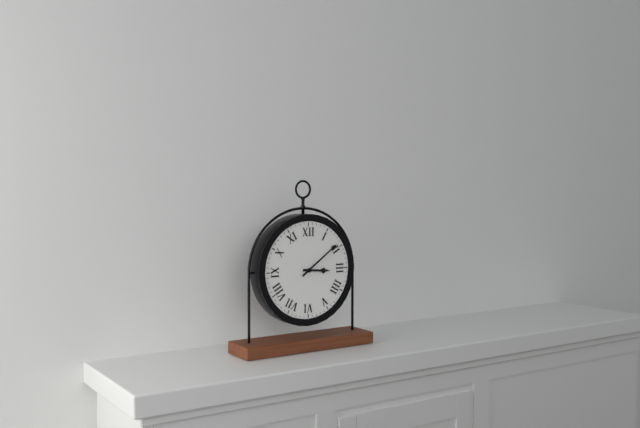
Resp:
**3:09**
